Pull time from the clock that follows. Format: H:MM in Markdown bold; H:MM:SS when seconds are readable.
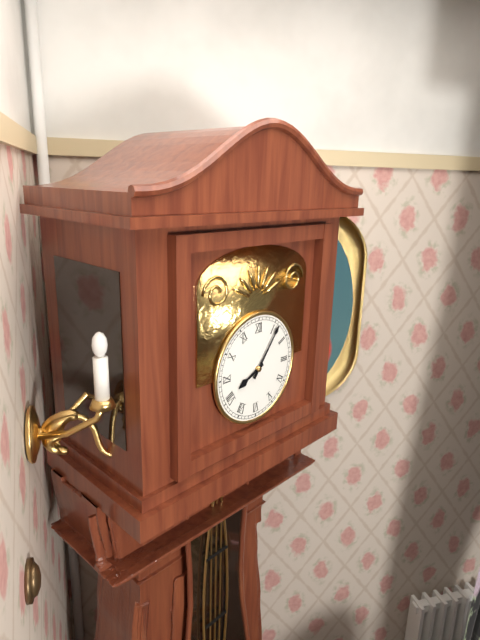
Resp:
**8:06**
